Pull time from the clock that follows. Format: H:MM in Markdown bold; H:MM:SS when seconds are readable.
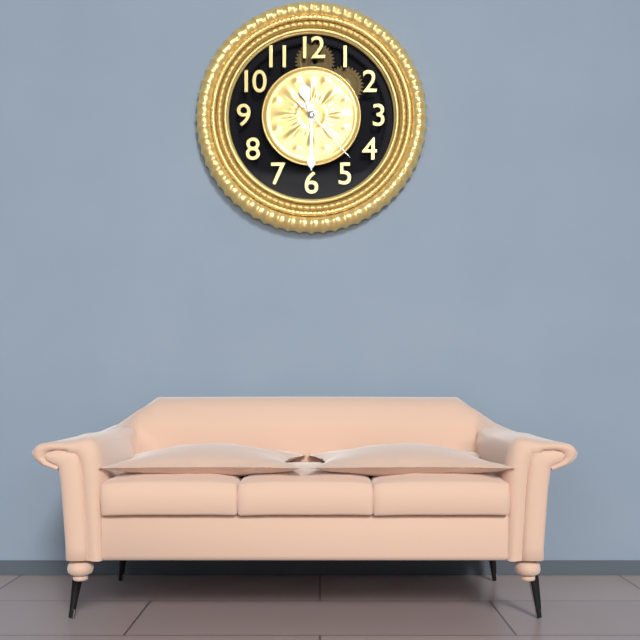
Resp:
**11:30:23**
